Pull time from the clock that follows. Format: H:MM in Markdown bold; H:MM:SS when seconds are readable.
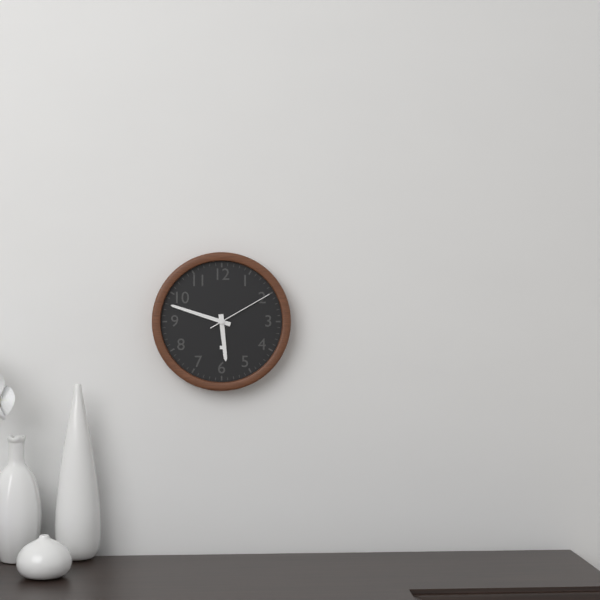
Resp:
**5:48:10**
